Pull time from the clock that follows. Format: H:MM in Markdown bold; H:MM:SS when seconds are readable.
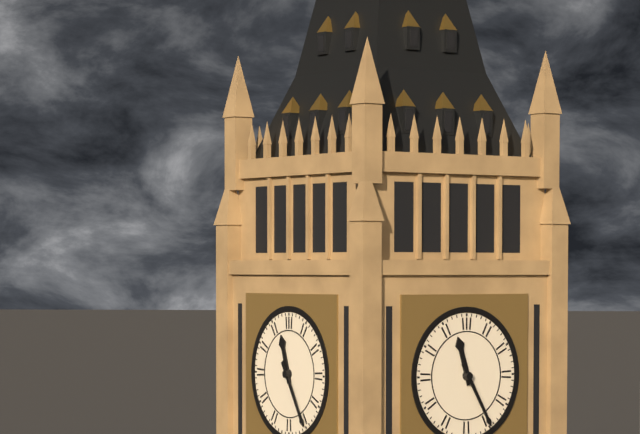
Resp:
**11:25**
